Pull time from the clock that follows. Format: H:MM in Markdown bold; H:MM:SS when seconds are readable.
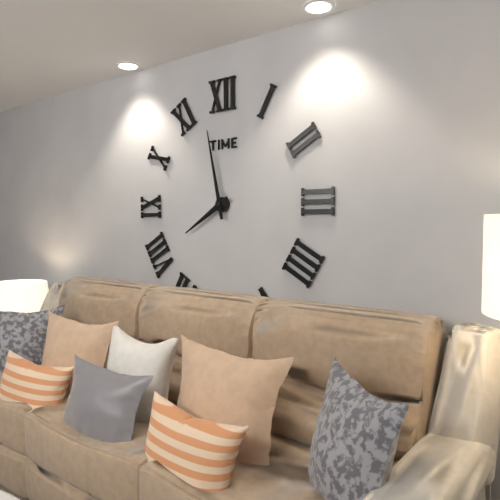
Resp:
**7:58**
